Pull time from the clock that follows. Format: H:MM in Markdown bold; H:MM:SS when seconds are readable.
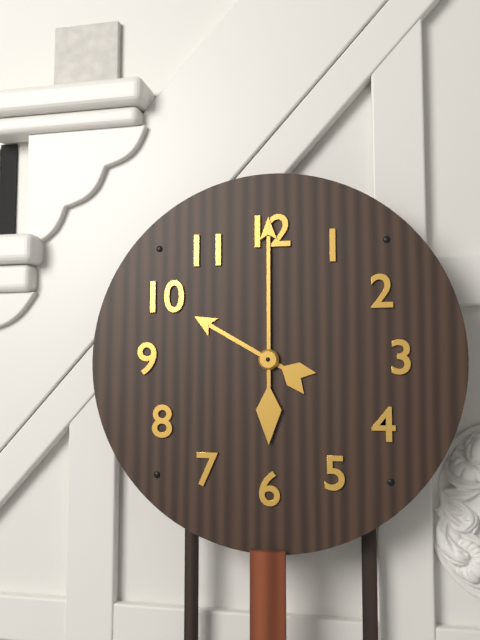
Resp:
**10:00**
